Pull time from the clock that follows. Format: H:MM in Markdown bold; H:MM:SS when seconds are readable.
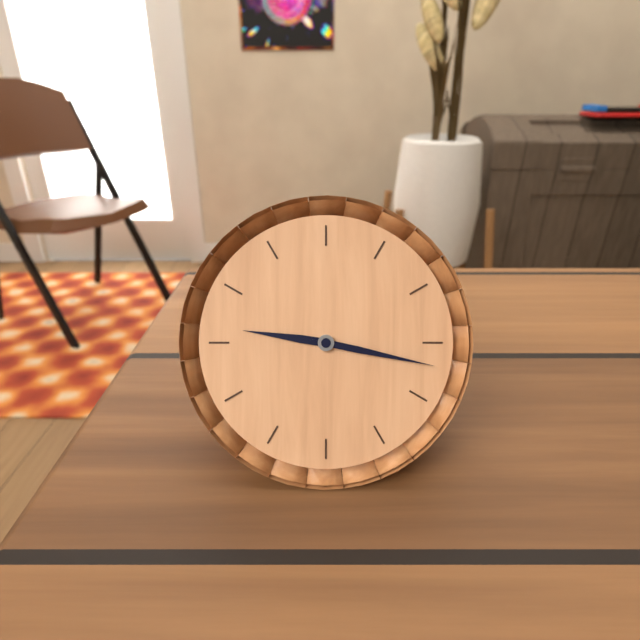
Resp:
**9:17**
